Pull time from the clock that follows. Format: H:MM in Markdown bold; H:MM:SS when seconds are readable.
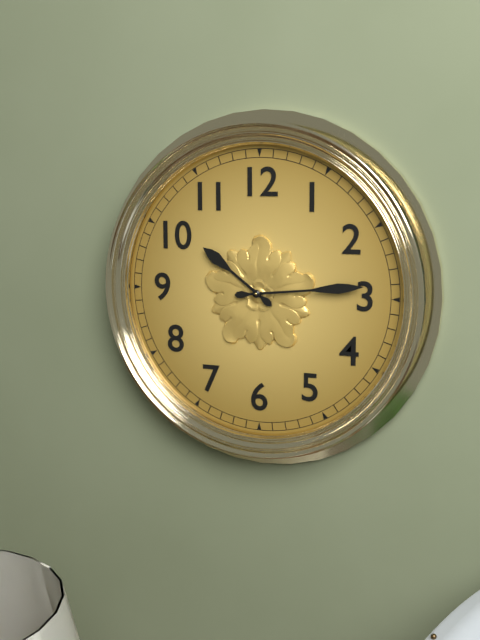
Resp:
**10:14**
